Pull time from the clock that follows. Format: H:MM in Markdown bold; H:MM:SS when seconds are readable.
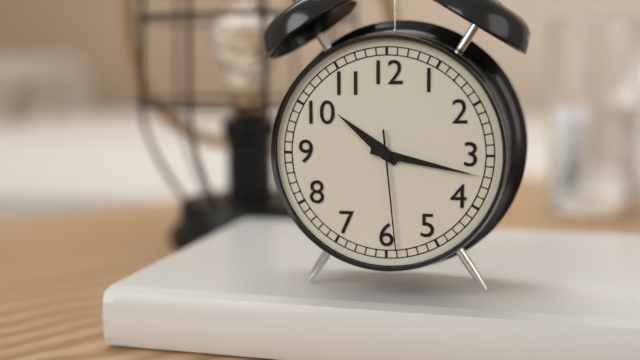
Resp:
**10:17:29**
